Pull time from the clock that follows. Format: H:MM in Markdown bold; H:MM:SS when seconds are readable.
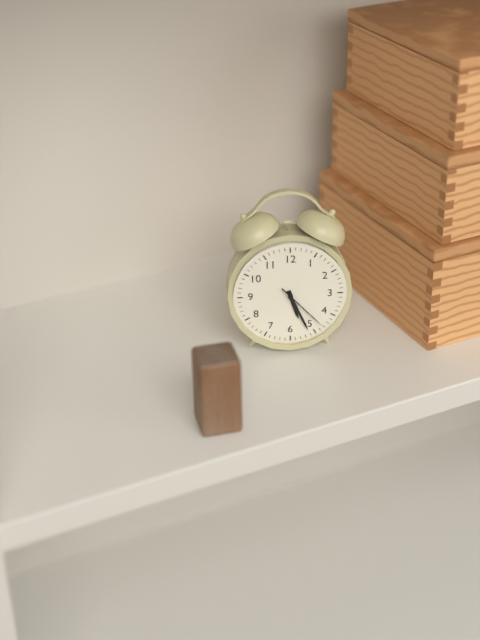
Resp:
**5:26:23**
